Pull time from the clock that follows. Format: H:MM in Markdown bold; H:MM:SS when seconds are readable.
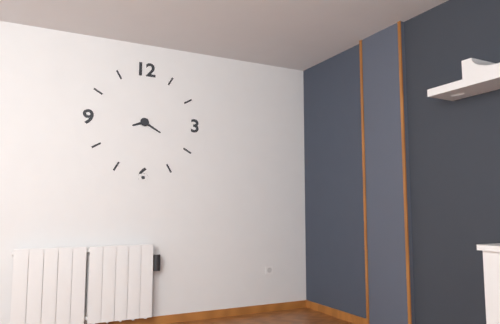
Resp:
**8:20**
